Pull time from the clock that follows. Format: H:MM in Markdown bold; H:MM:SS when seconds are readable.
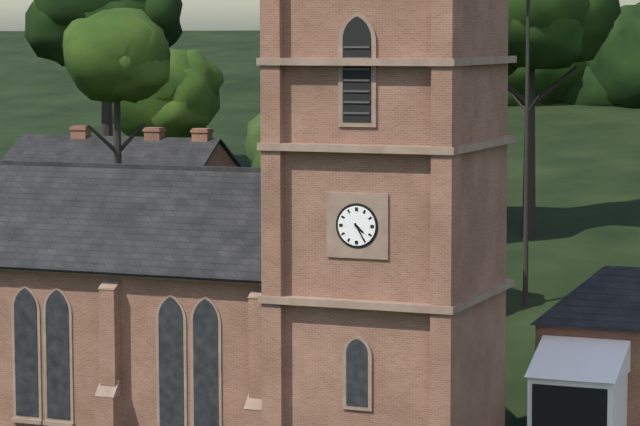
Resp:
**4:25**
